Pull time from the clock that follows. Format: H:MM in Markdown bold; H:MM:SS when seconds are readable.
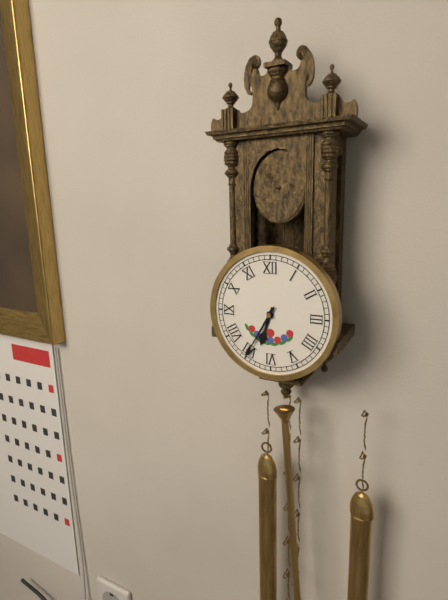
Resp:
**6:35**
